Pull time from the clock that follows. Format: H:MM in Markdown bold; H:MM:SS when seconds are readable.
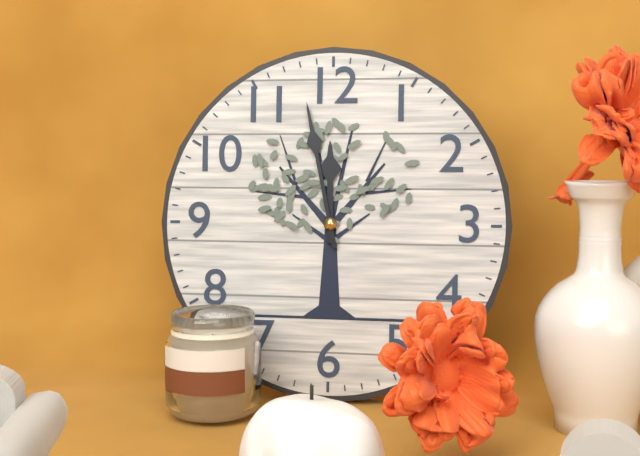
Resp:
**11:58**
